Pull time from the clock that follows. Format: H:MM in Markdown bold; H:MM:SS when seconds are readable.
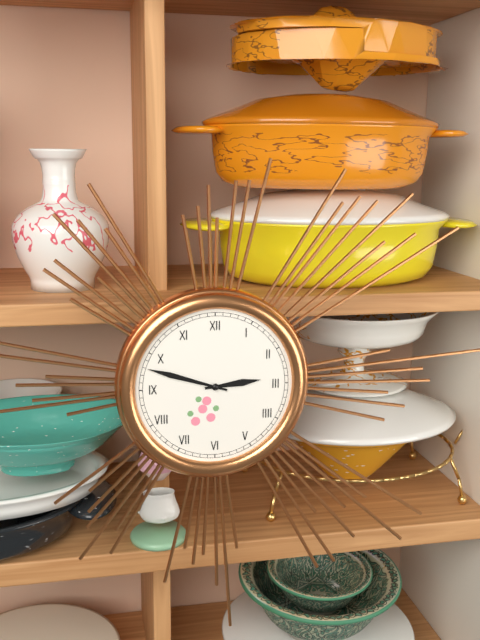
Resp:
**2:48**
